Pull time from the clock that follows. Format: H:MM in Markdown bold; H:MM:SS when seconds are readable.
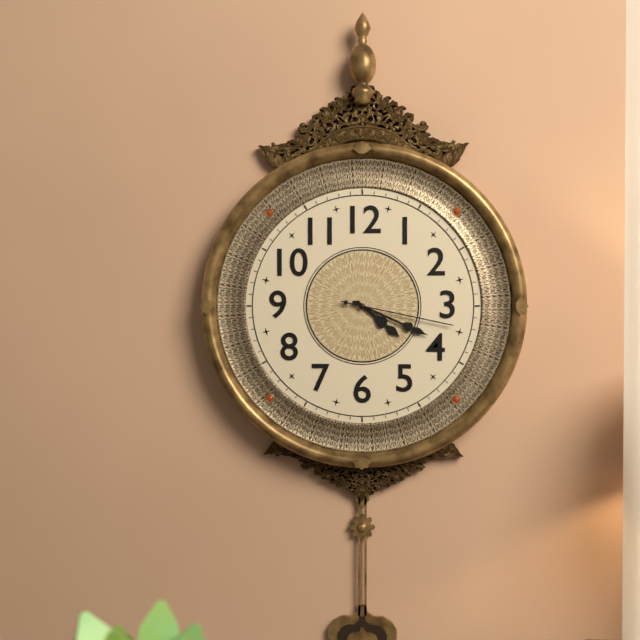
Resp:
**4:19:17**
